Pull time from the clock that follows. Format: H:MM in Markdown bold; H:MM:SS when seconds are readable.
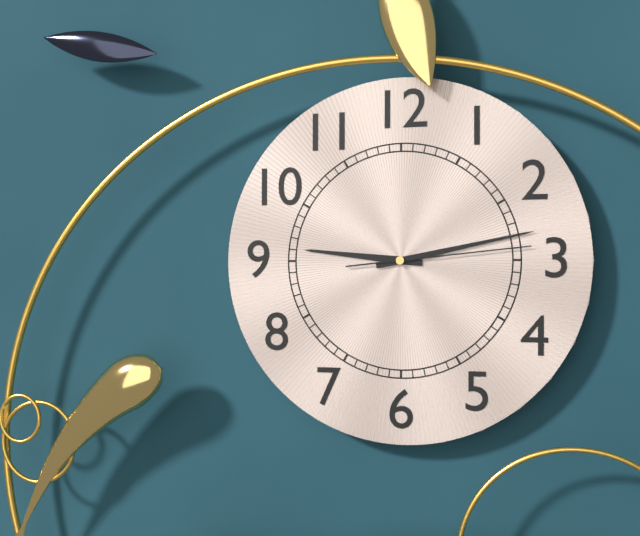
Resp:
**9:13:14**
